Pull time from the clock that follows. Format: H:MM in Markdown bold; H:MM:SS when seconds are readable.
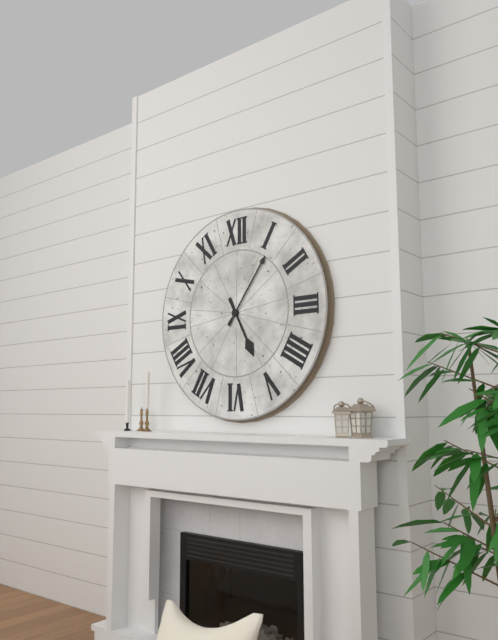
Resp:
**5:06**
